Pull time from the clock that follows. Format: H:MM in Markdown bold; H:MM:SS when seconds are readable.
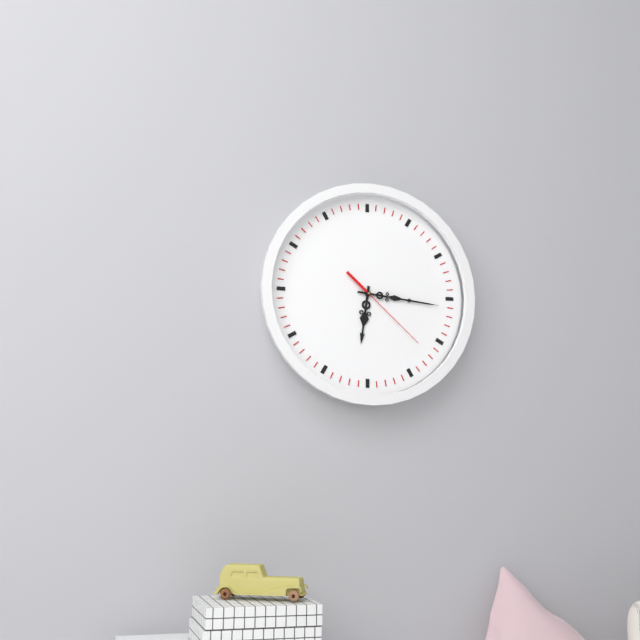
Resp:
**6:16:22**
